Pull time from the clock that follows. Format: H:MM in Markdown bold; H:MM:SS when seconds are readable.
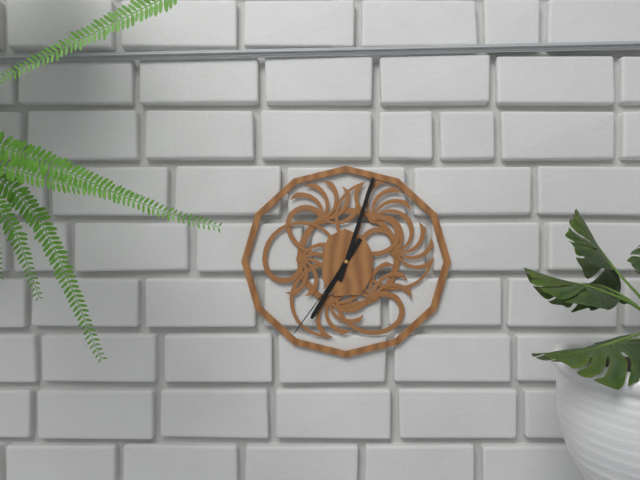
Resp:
**7:03:36**
